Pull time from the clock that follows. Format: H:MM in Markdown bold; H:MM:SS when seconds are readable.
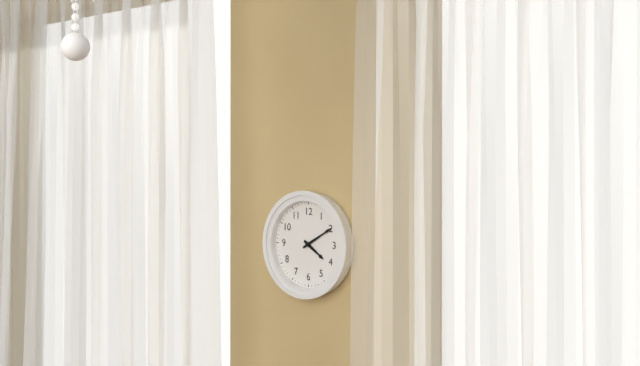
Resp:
**4:10**
